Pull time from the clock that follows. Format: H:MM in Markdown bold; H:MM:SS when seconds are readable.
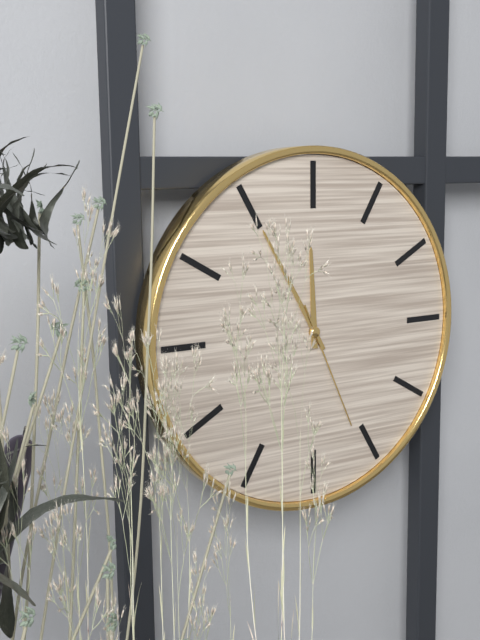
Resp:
**11:55:26**
